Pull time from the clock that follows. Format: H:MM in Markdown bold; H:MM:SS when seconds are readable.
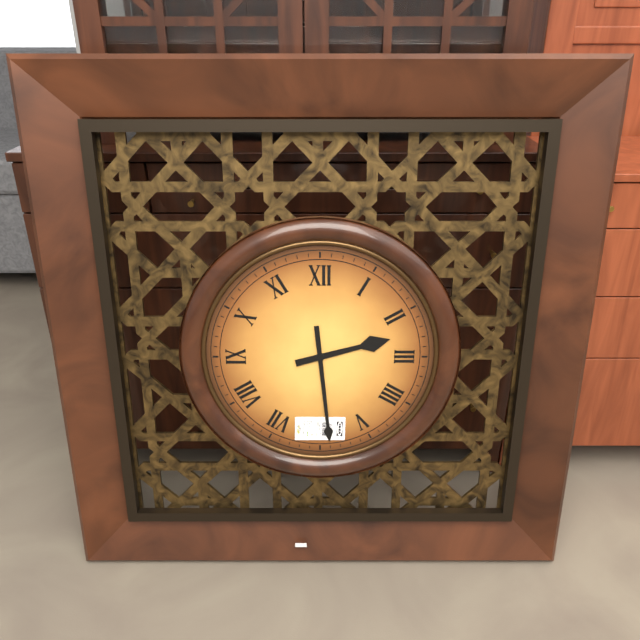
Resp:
**2:29**
